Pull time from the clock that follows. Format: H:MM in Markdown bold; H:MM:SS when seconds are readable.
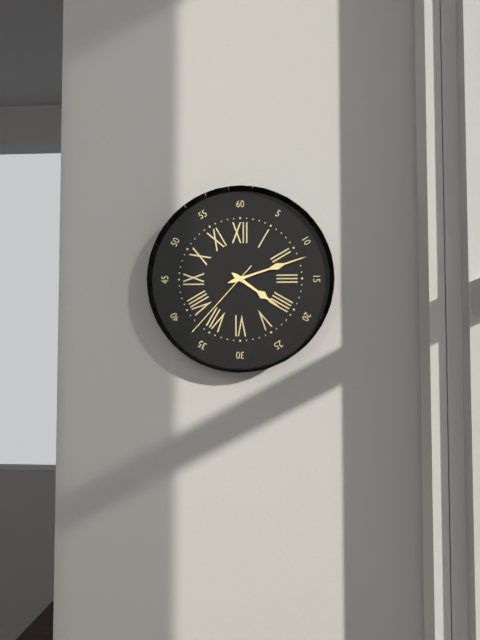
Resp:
**4:12:37**
